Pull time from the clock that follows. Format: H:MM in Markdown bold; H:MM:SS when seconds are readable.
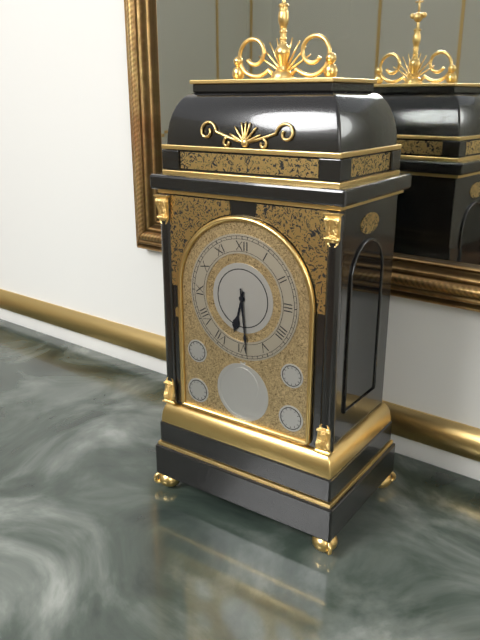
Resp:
**6:29**
